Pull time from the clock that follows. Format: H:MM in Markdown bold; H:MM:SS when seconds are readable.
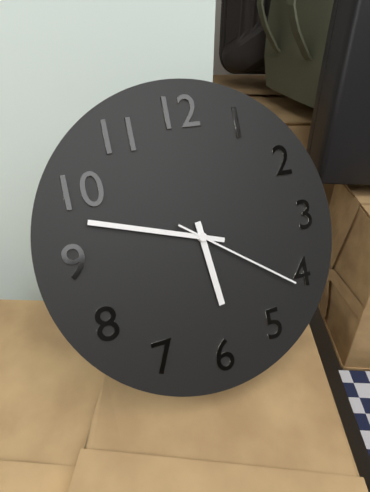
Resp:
**5:48:21**
